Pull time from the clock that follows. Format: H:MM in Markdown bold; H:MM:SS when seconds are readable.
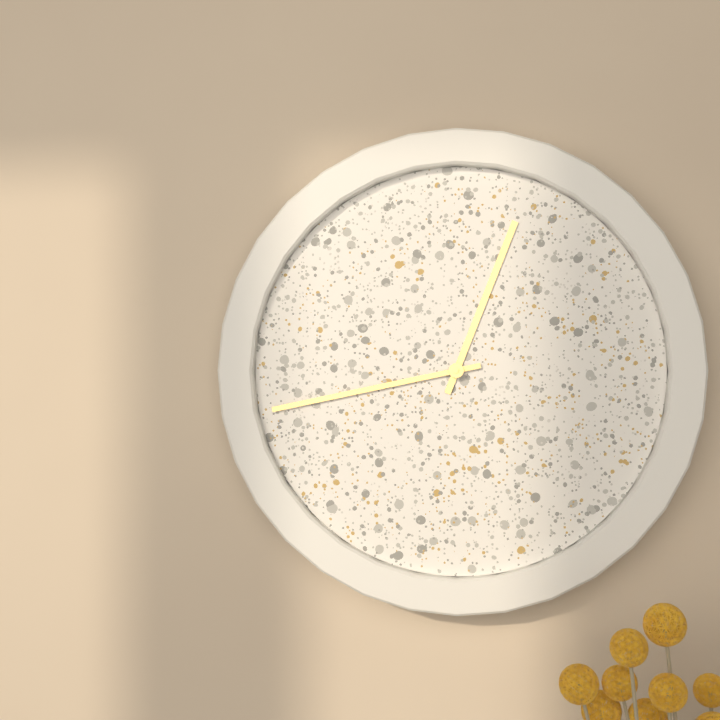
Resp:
**12:43**
